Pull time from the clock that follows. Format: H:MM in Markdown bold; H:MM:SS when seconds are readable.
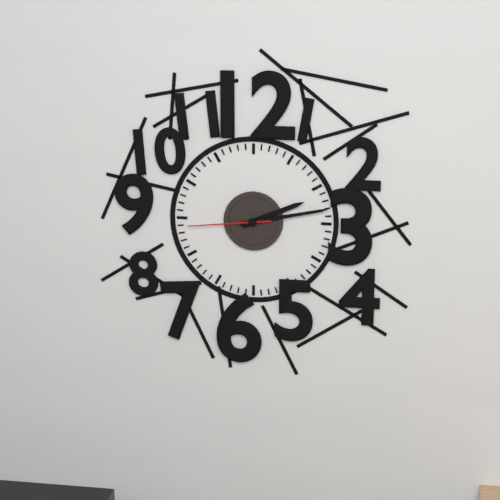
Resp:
**2:13:44**
